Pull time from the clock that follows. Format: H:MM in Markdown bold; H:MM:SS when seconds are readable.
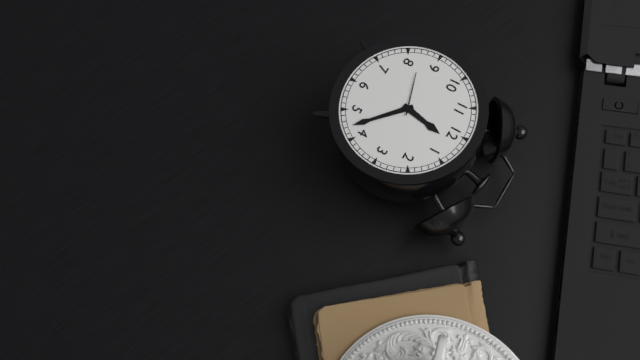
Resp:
**12:22:42**
